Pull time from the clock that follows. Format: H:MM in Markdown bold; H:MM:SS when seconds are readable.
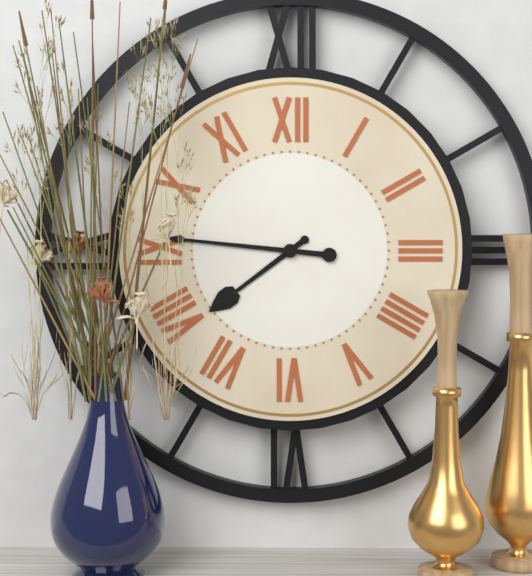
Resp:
**7:46**
